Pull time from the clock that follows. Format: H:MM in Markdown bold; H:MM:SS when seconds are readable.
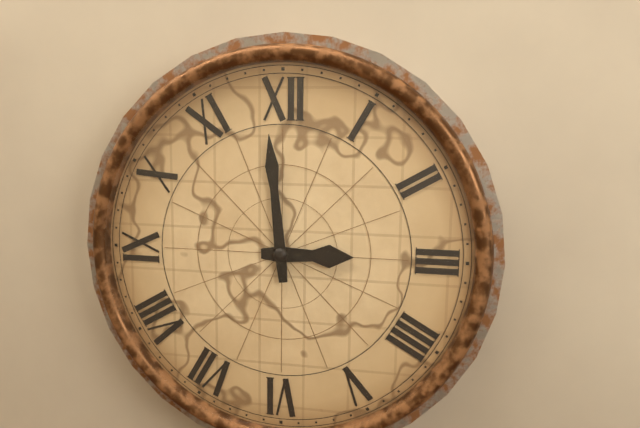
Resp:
**2:59**
